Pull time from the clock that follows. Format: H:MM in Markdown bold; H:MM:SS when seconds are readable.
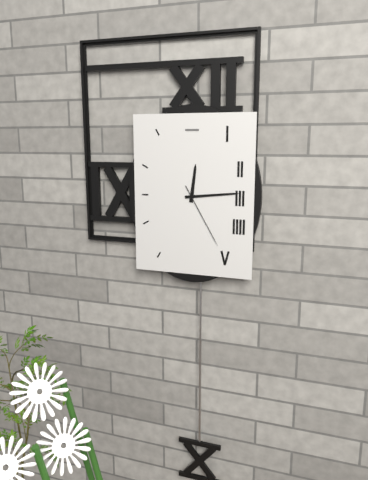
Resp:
**12:14:25**
